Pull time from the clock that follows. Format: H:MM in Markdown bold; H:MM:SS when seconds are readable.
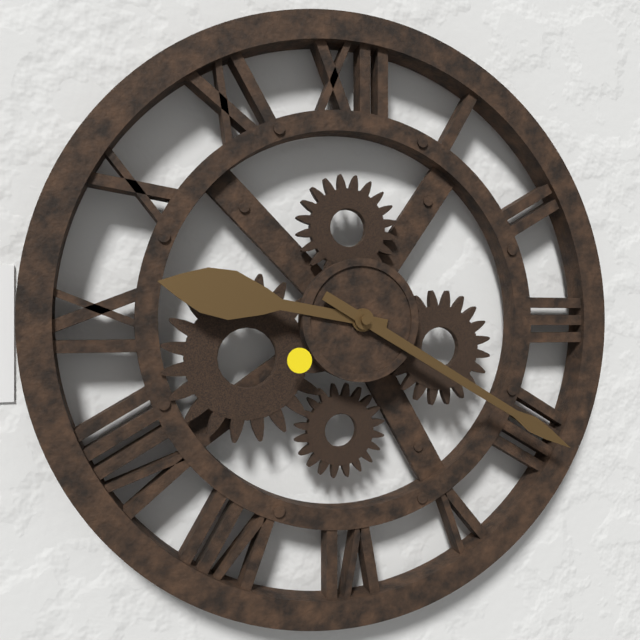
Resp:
**9:20**
